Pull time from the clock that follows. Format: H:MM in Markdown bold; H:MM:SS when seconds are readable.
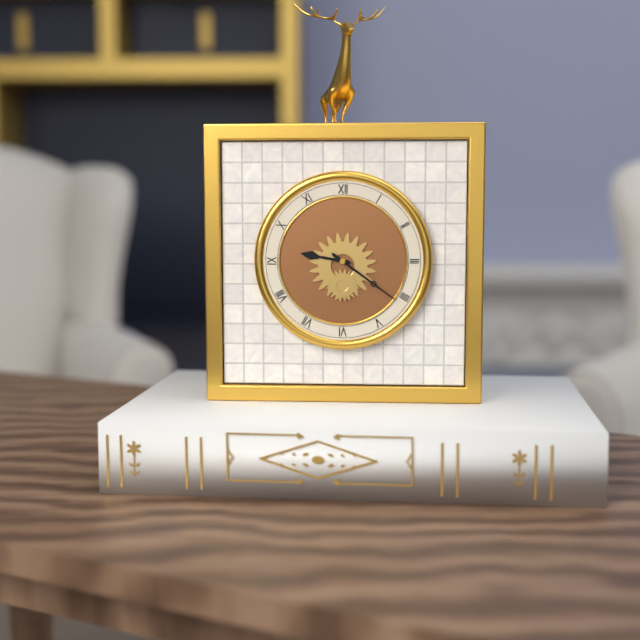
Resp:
**9:21**
